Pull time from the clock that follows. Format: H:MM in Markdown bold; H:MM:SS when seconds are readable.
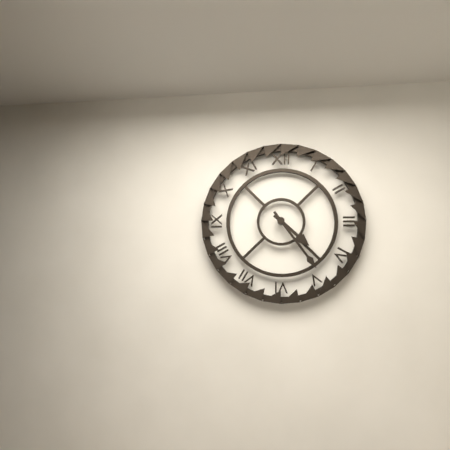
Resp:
**4:24**
